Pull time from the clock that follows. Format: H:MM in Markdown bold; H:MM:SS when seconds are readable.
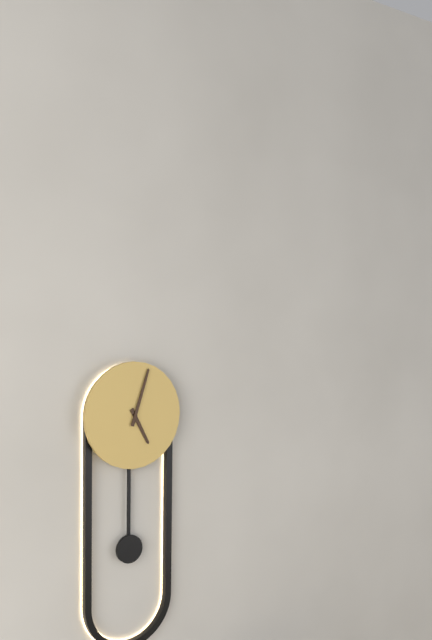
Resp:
**5:03**
